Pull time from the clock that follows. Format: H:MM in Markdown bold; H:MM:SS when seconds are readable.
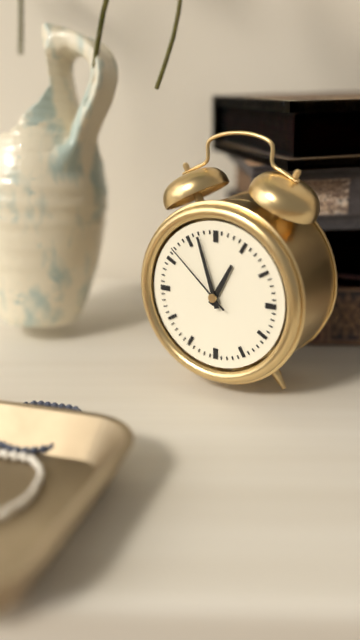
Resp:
**12:57:52**
